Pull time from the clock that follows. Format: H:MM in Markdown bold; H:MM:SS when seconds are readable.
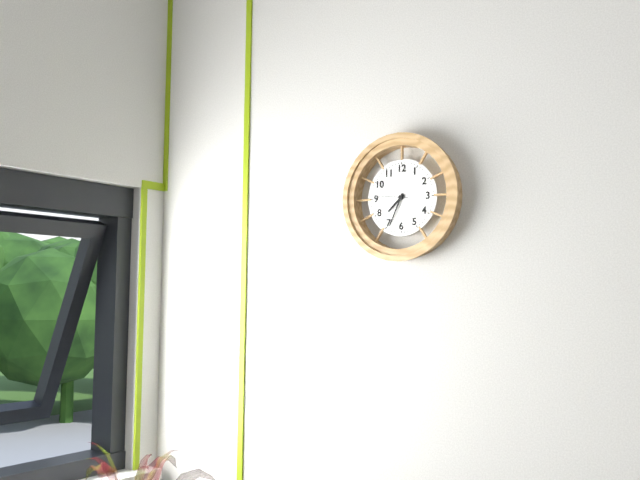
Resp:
**7:34**
